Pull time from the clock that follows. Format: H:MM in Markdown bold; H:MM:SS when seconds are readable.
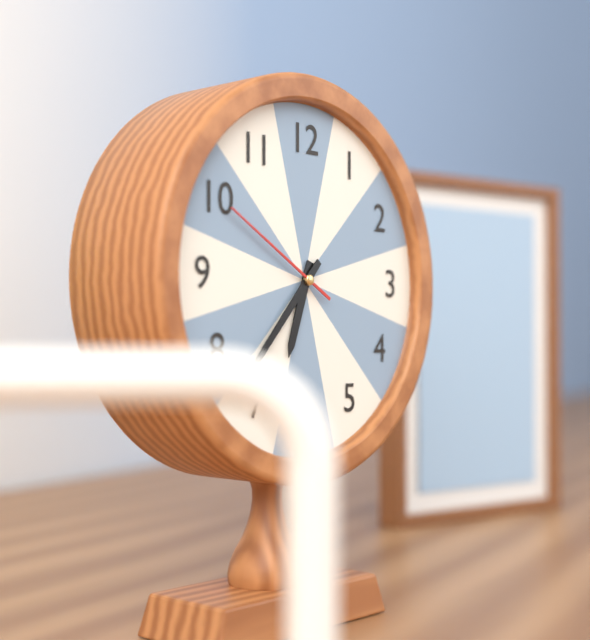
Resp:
**6:37:50**
